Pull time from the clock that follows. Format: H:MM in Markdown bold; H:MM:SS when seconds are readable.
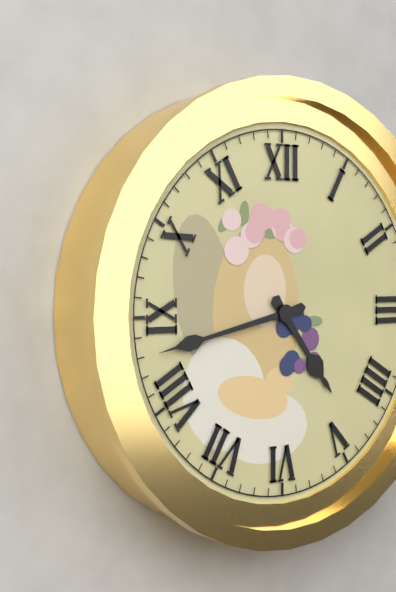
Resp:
**4:43**
